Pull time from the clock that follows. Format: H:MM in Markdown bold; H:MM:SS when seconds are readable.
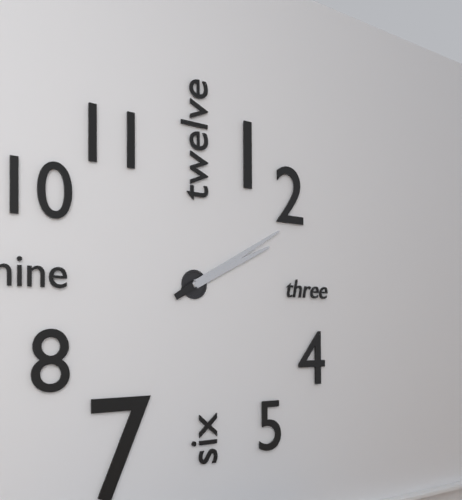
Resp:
**2:10**
